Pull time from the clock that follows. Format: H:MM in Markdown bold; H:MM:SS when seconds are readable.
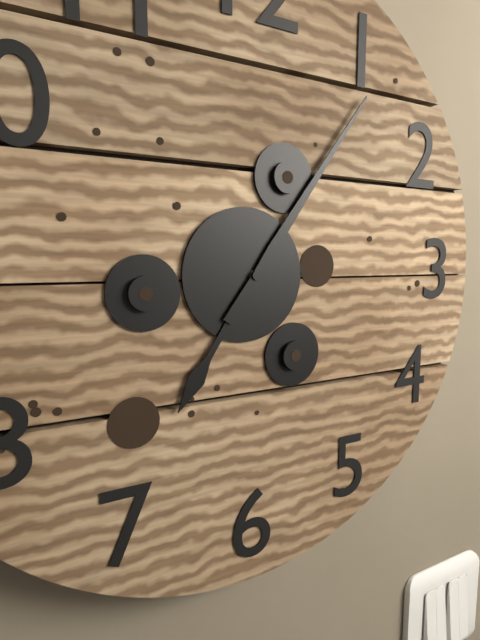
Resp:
**7:06**
